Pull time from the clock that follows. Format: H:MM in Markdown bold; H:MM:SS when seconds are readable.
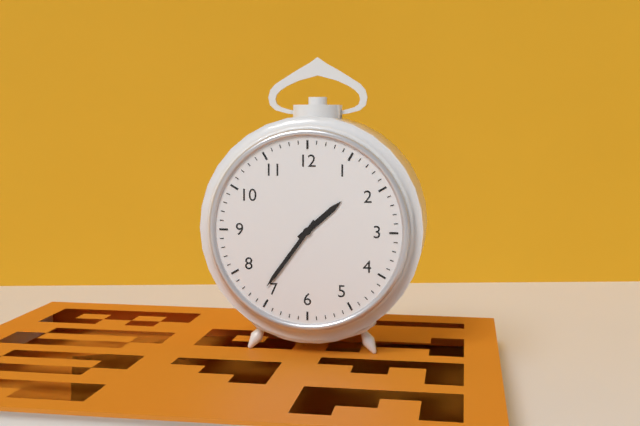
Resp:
**1:36**
